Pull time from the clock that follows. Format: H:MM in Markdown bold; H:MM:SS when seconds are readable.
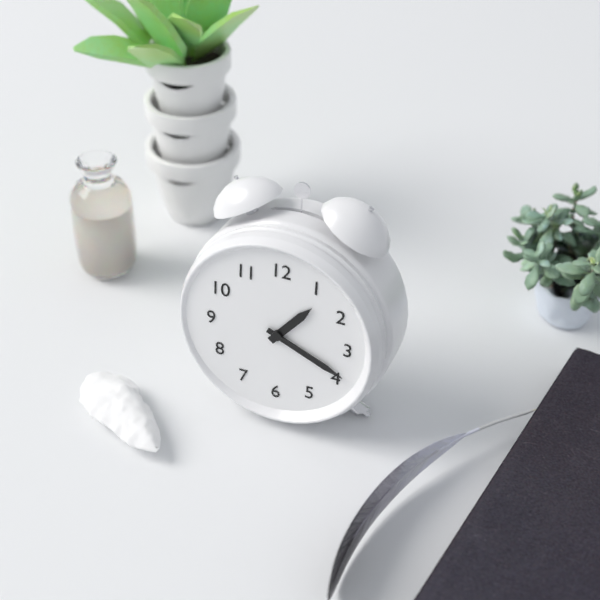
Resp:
**1:19**
